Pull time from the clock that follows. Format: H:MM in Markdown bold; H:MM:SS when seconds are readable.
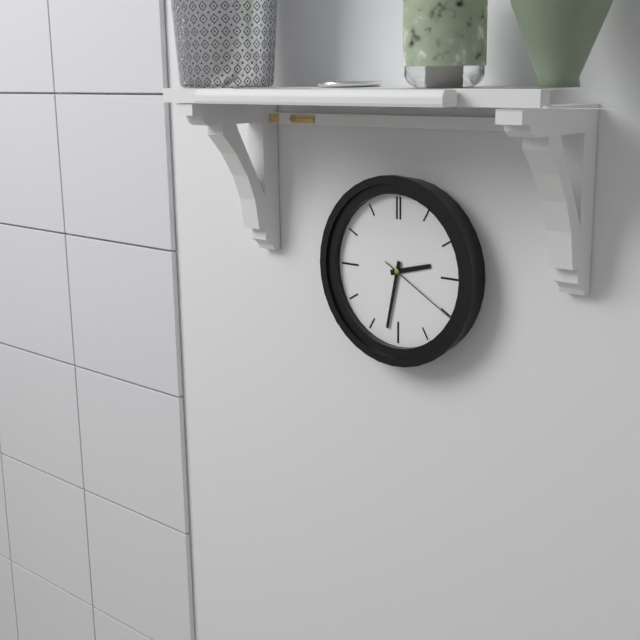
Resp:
**2:32:20**
